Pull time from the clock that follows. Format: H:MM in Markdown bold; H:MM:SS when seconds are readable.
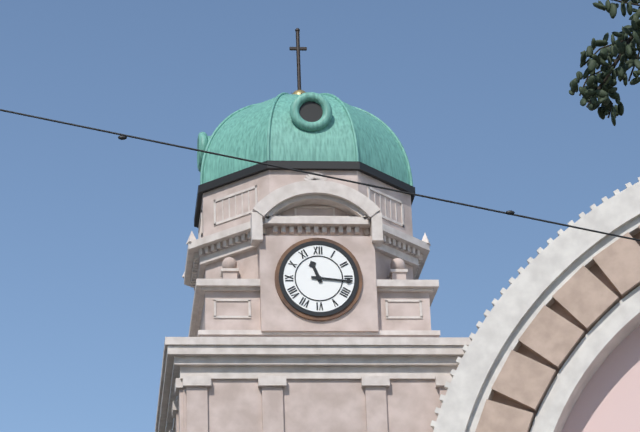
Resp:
**11:16**
